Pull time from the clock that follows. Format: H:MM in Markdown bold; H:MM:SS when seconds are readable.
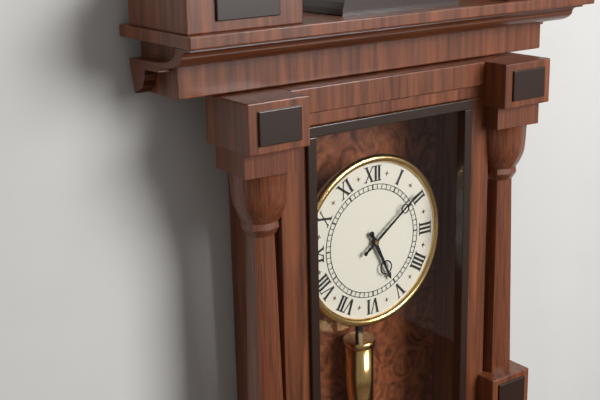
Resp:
**5:09**
